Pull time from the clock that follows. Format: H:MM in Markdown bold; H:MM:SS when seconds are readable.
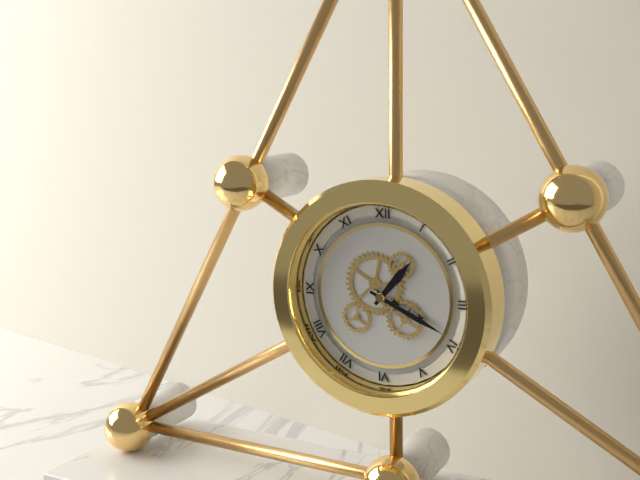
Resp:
**1:19**
